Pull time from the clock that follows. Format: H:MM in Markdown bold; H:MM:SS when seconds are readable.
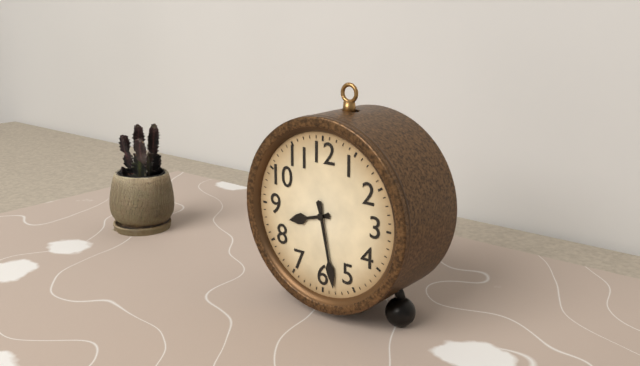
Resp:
**8:28**
